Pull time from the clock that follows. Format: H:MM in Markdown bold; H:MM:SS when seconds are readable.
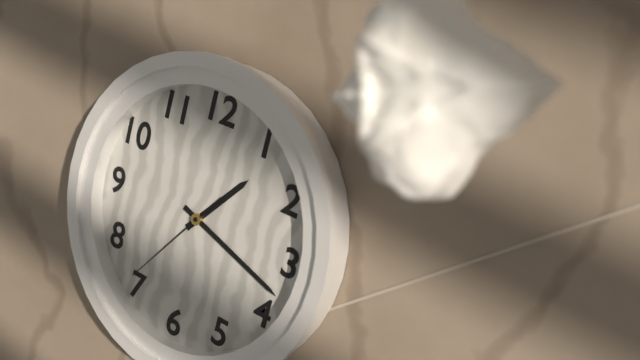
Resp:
**1:18:36**
